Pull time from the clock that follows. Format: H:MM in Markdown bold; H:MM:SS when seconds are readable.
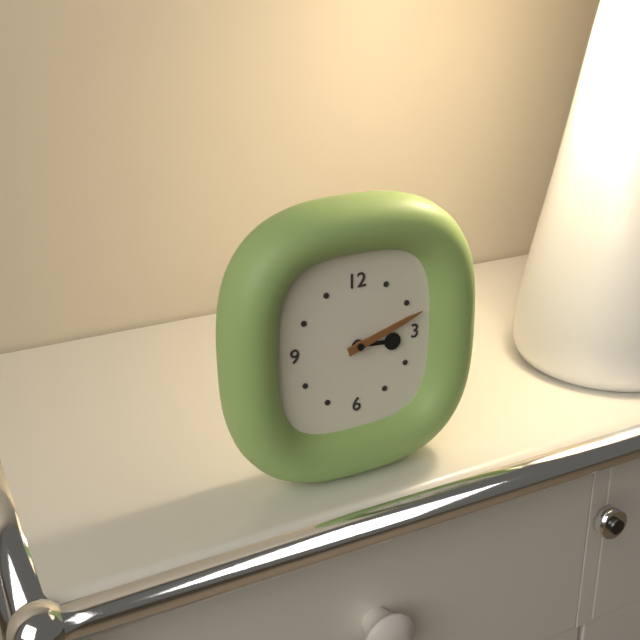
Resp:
**3:12**
